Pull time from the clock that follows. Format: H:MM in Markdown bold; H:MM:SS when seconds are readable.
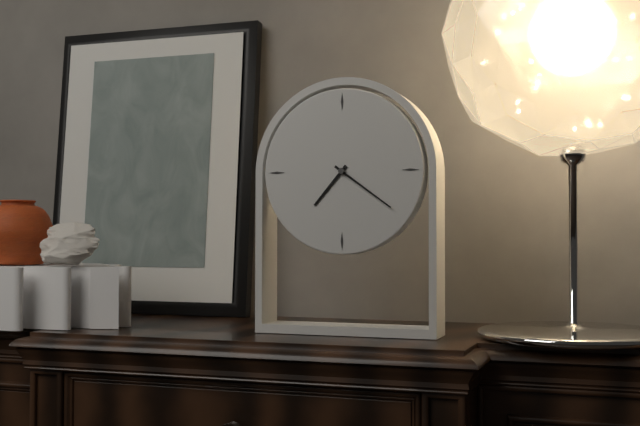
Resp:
**7:21**
